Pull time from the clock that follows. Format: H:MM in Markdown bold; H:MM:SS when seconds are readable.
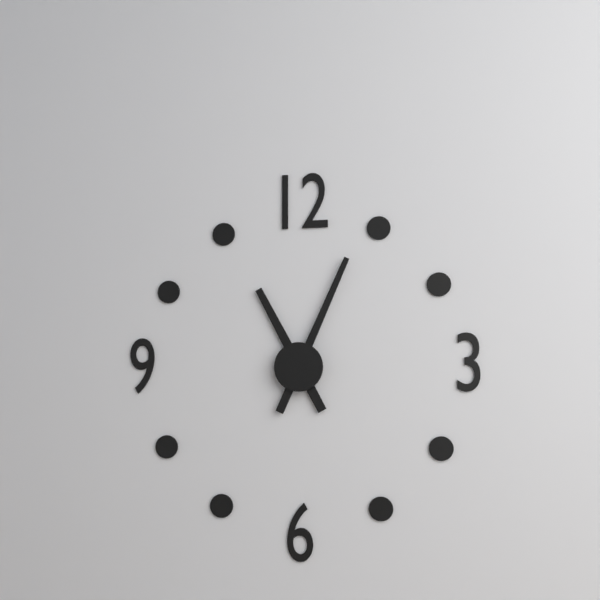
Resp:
**11:04**
